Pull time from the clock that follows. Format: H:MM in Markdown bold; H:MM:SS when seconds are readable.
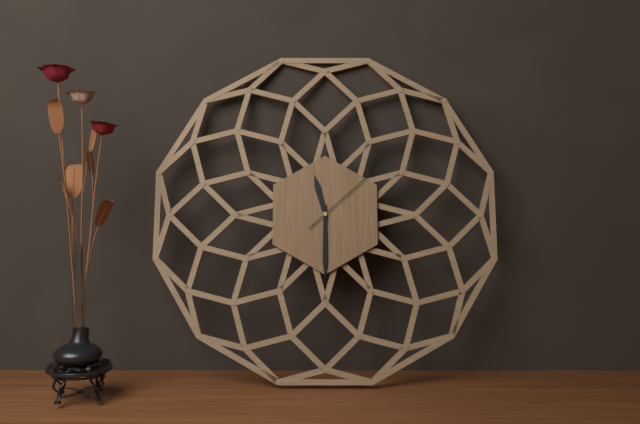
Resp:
**11:30:08**
